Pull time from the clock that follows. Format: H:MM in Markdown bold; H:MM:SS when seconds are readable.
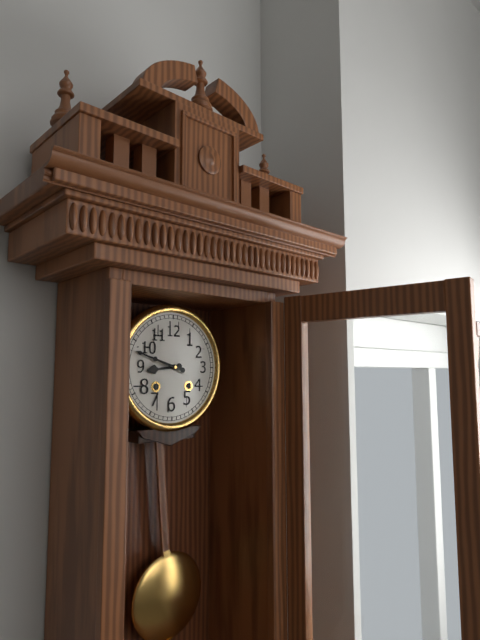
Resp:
**8:48**
